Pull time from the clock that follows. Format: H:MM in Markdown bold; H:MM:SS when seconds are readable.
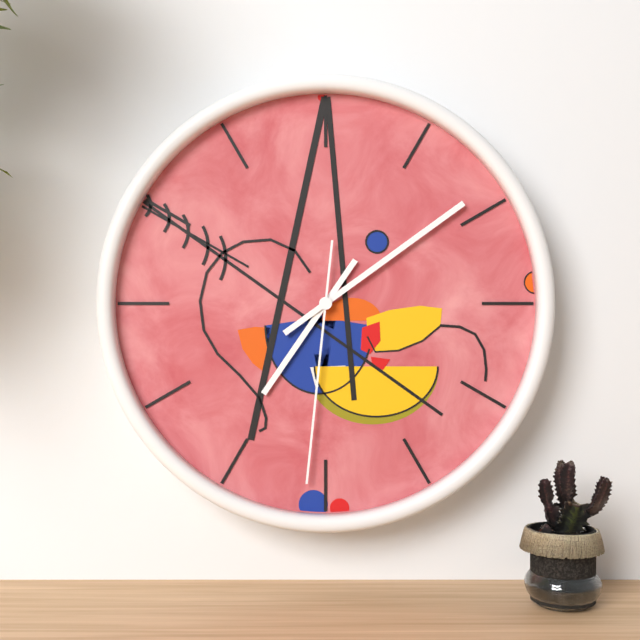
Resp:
**7:09:31**
